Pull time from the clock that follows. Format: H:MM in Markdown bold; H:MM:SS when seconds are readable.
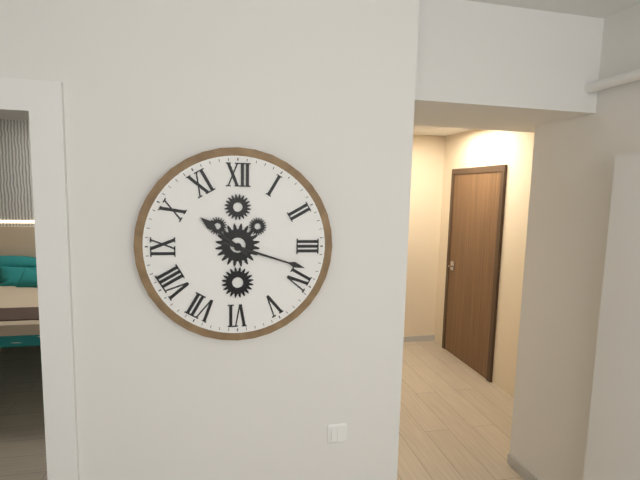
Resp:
**10:18**
